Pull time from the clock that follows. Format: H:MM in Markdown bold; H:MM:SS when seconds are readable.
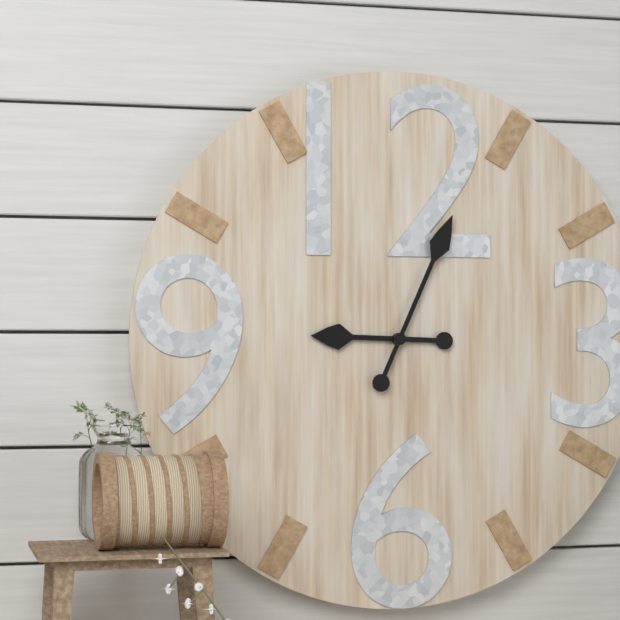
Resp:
**9:04**
